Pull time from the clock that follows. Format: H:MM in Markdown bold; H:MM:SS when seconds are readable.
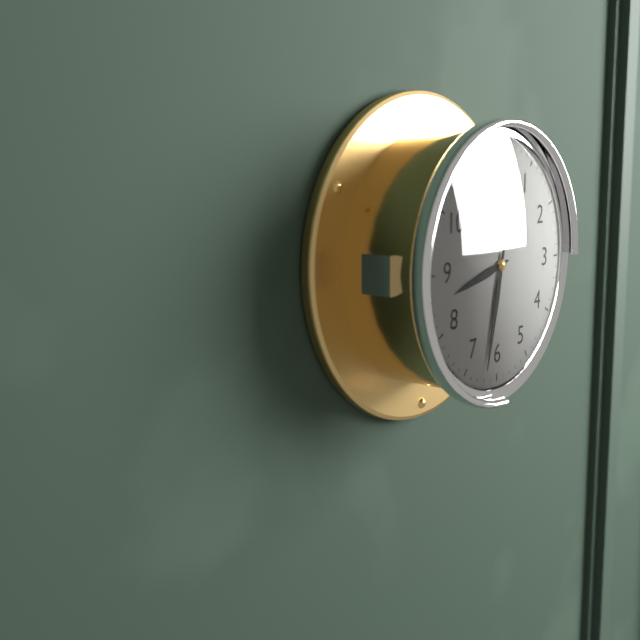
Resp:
**8:32**
